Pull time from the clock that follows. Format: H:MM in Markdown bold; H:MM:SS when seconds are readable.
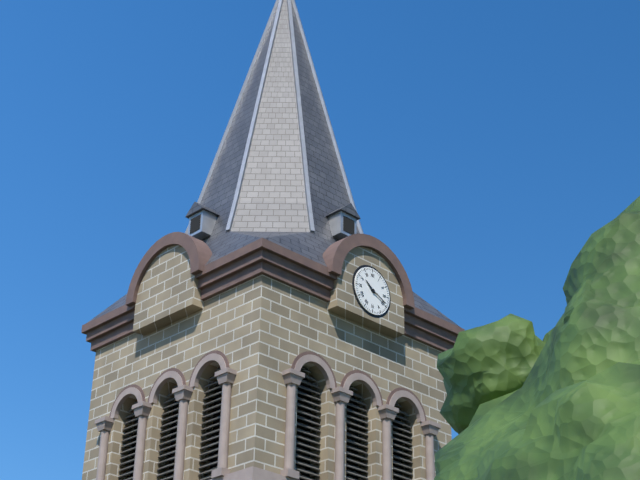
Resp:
**10:19**
